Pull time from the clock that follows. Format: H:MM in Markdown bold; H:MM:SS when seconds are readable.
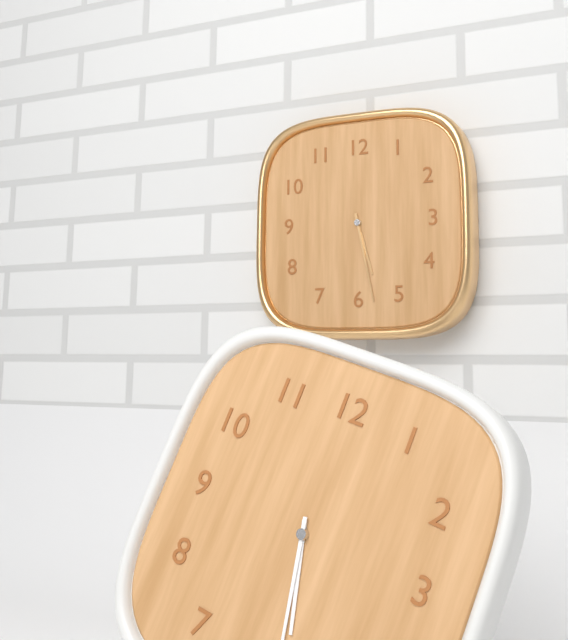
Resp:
**5:28**
